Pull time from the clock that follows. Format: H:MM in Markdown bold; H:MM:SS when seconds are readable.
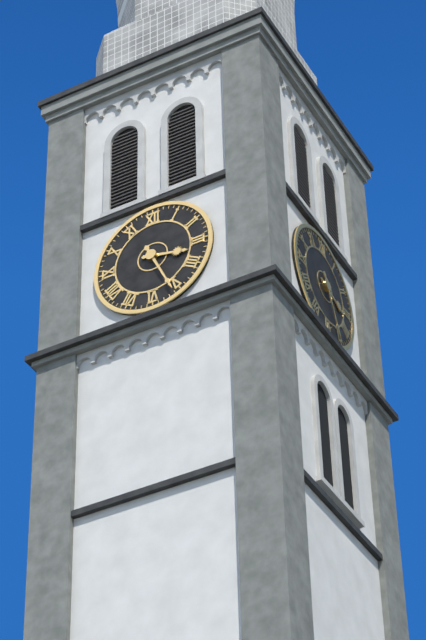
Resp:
**3:26**
